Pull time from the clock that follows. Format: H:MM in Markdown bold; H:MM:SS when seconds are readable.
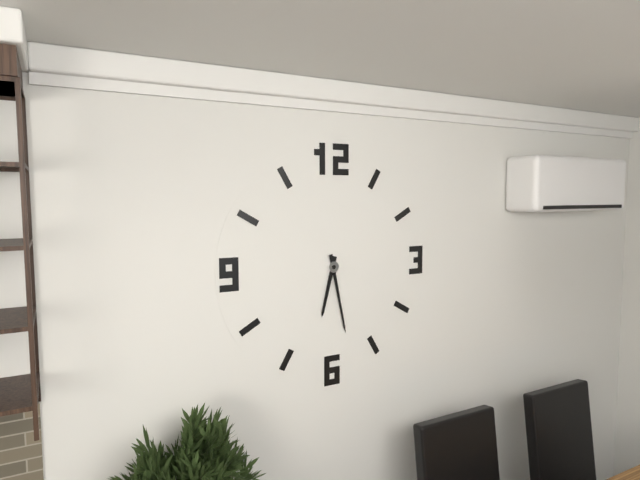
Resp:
**6:28**
